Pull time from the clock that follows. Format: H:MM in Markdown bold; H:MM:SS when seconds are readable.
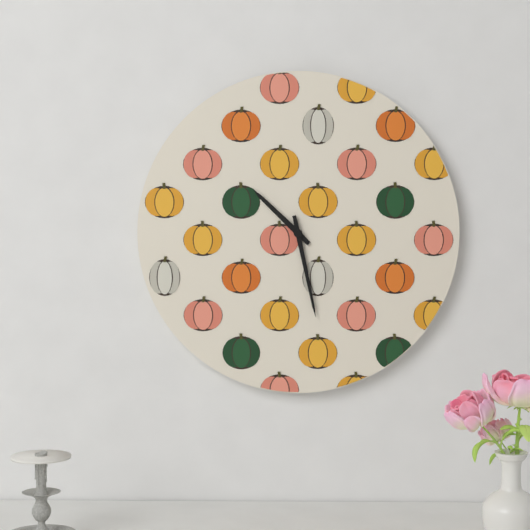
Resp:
**10:28**
